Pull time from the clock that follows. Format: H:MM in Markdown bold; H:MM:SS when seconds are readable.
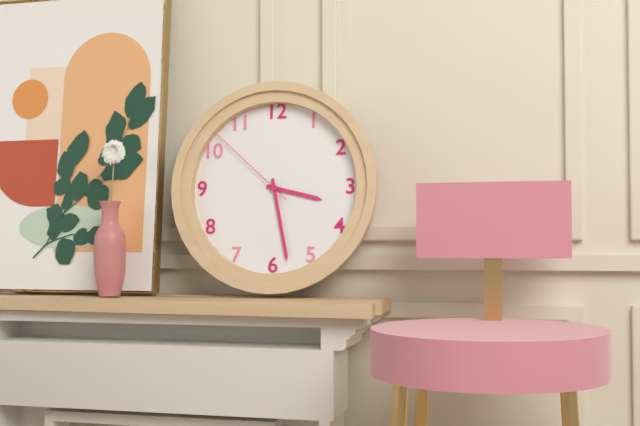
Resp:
**3:28:52**
